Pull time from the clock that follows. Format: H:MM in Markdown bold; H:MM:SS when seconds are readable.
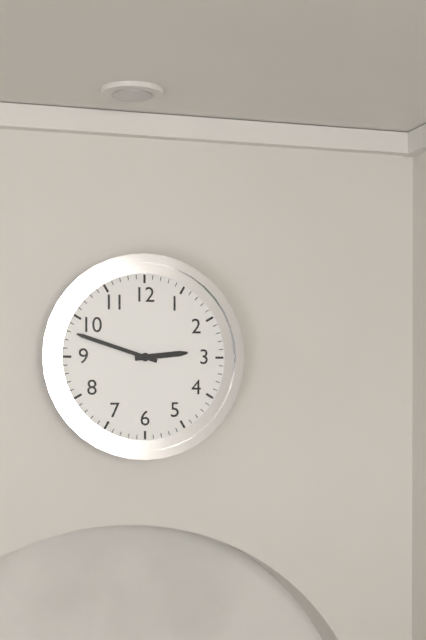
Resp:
**2:48**
